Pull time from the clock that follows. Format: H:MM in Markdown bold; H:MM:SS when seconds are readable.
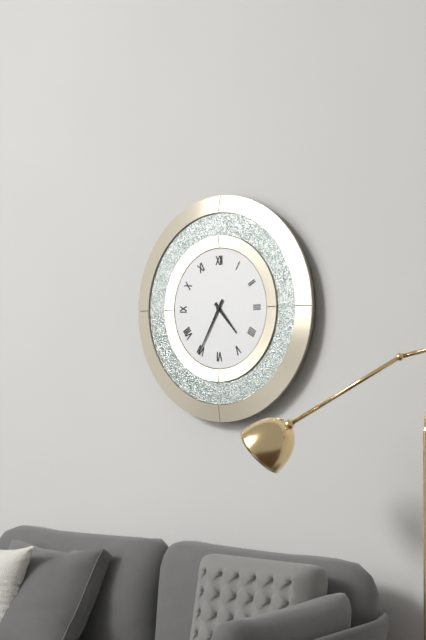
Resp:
**4:35**
